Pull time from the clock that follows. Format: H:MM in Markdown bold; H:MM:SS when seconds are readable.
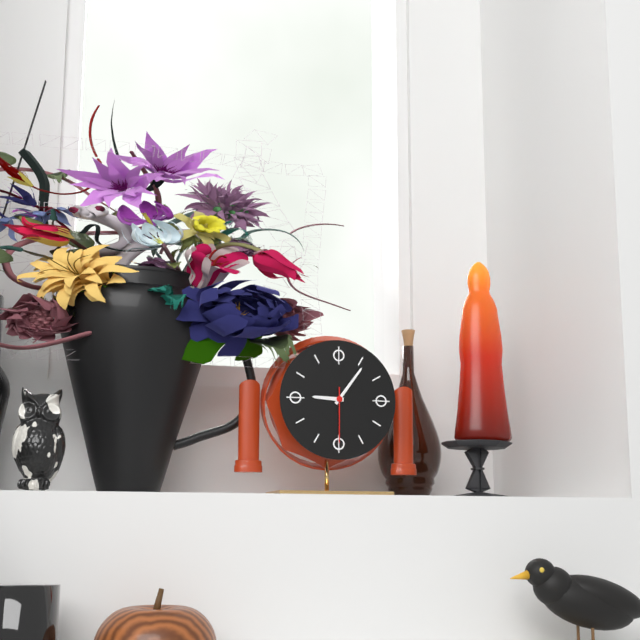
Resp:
**9:06:30**
